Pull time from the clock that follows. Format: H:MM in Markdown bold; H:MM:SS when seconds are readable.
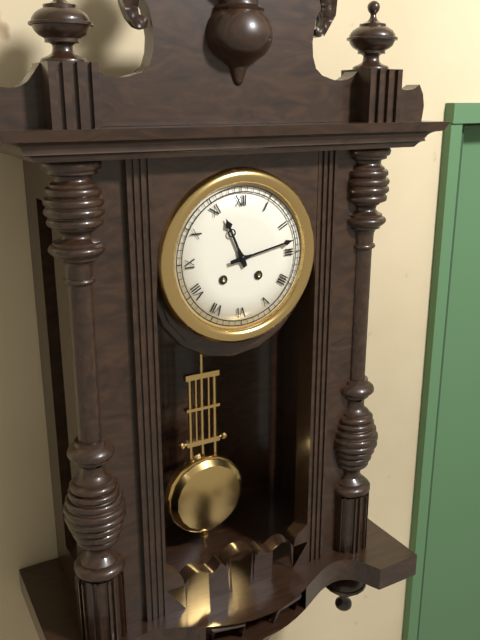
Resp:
**11:13**
